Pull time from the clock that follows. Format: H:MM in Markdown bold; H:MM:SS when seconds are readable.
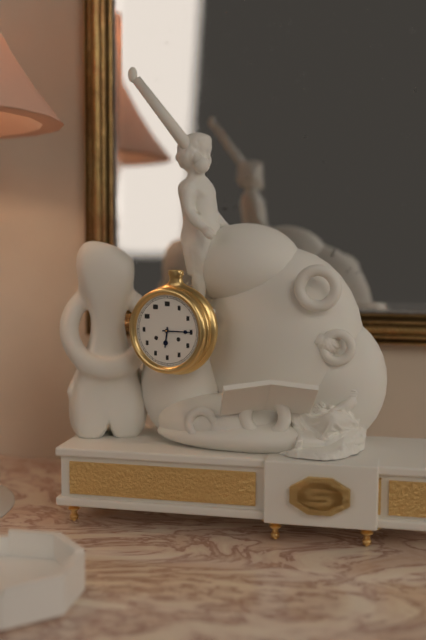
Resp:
**6:15**
